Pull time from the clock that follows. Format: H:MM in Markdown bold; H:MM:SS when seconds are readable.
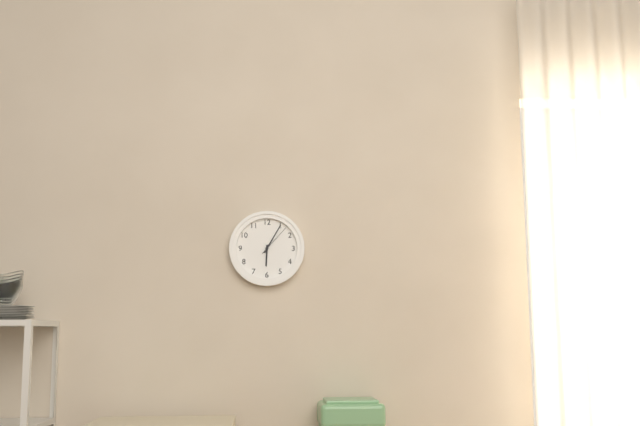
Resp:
**6:05**
